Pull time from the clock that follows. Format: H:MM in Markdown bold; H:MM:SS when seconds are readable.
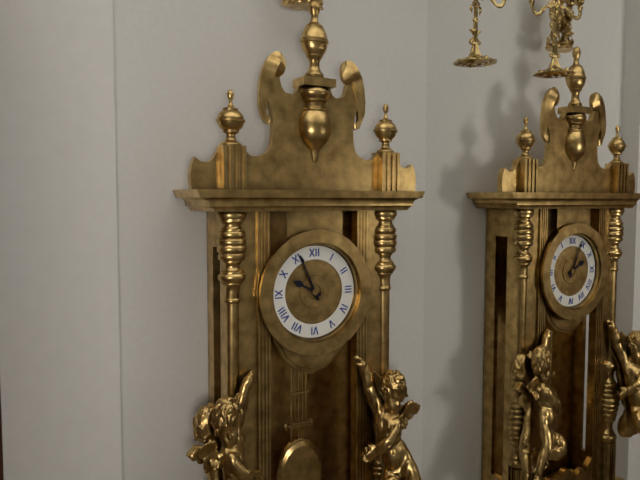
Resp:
**9:56**
